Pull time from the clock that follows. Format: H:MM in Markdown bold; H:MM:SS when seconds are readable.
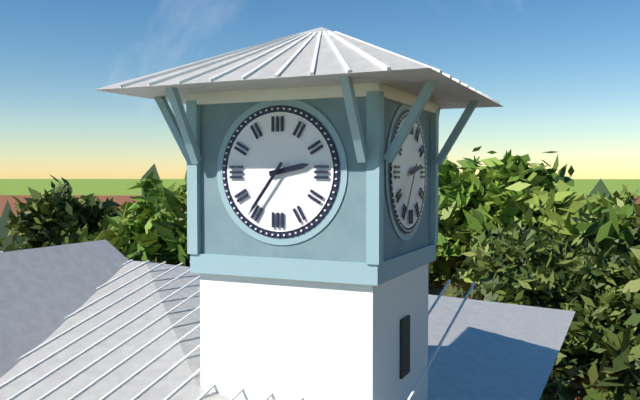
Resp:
**2:36**
